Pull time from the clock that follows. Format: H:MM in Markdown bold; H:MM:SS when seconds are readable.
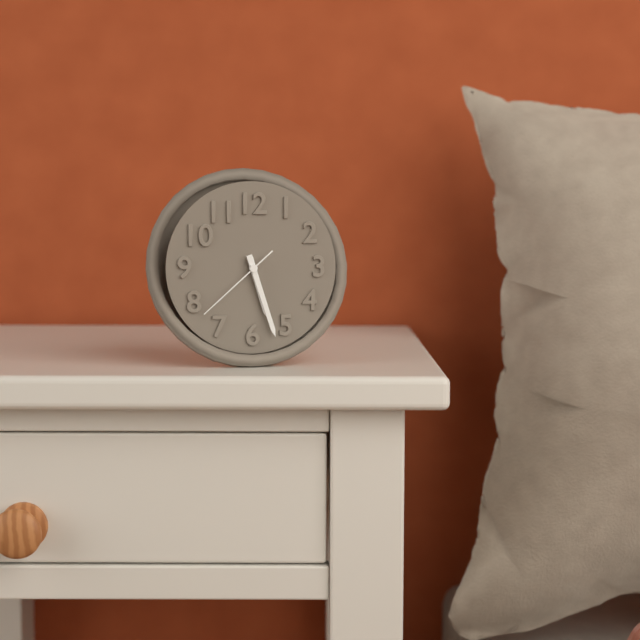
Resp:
**5:27:38**
